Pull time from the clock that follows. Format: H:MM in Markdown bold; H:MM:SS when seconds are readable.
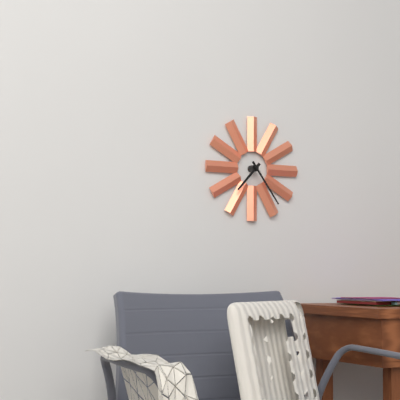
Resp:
**7:24**
